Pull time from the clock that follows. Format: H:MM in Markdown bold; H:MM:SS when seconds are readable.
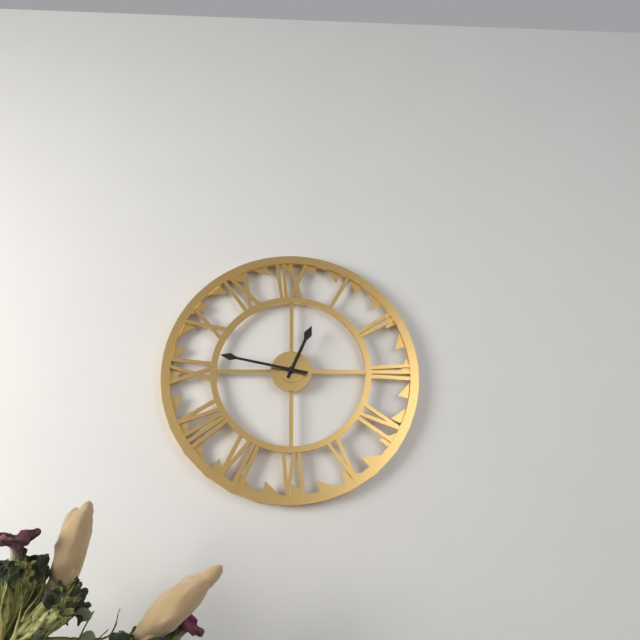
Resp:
**12:47**
